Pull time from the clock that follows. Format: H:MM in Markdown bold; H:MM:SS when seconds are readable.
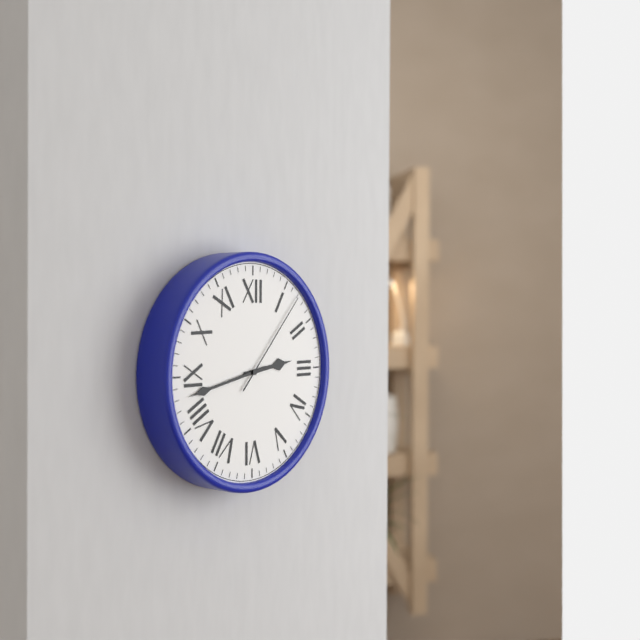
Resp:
**2:43:07**
